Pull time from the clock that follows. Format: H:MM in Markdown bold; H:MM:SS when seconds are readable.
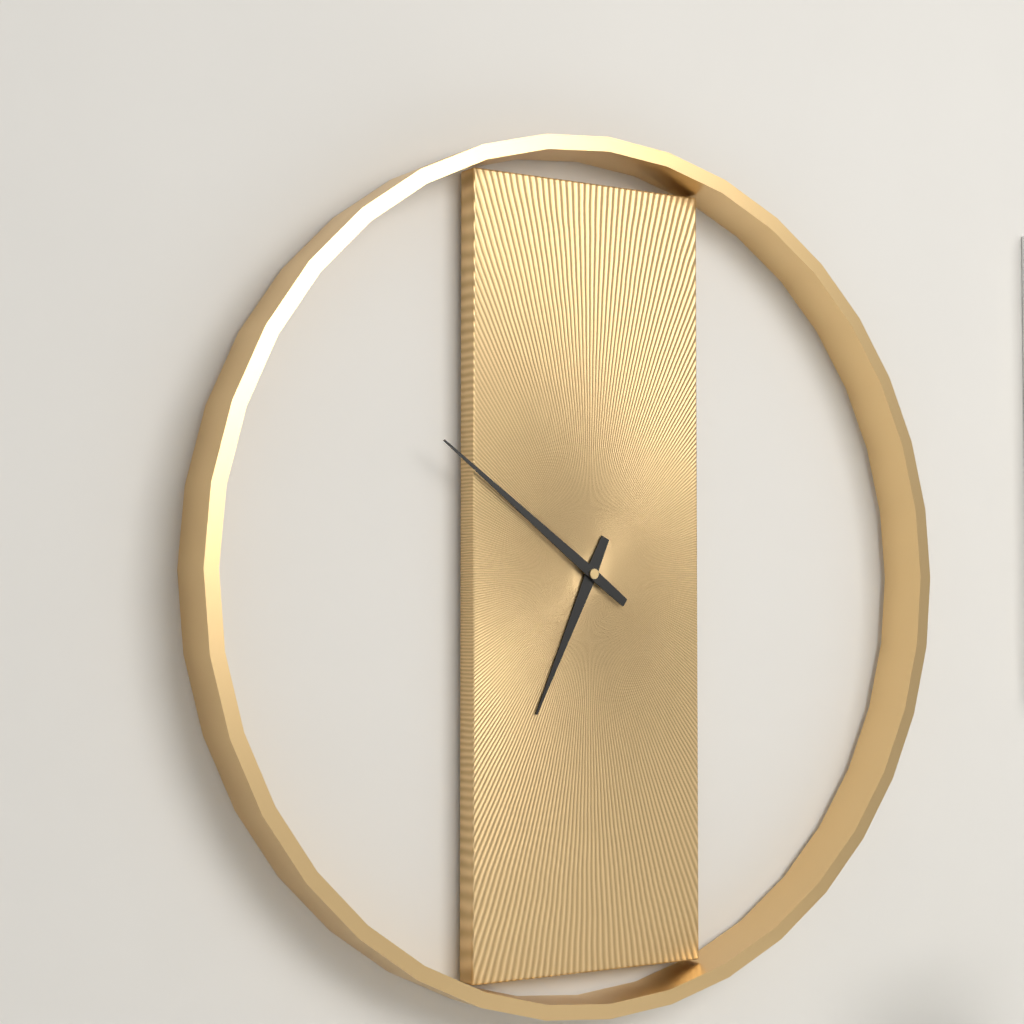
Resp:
**6:51**
